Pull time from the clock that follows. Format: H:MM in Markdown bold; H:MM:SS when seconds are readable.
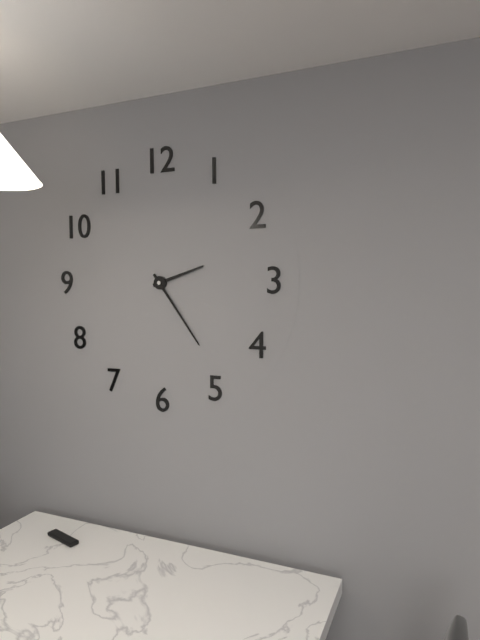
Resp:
**2:24**
